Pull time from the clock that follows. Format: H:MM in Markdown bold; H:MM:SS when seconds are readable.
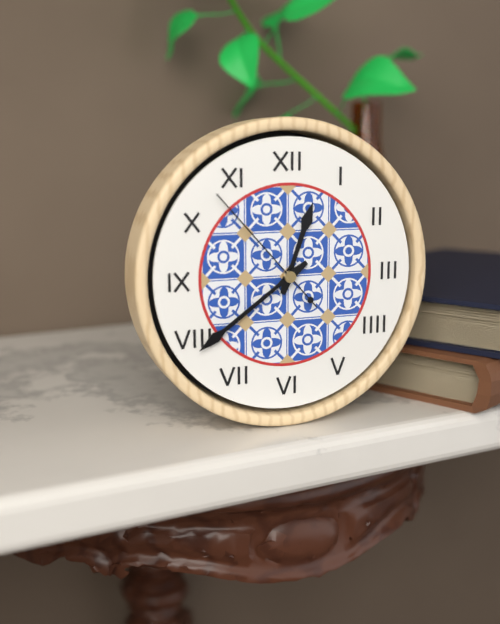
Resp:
**12:39:53**
